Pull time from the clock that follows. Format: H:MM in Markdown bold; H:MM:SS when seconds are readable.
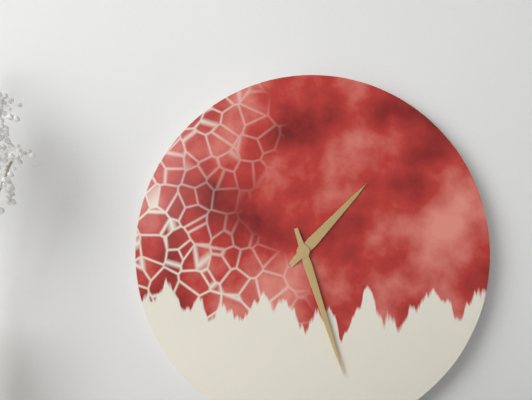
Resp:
**1:27**
